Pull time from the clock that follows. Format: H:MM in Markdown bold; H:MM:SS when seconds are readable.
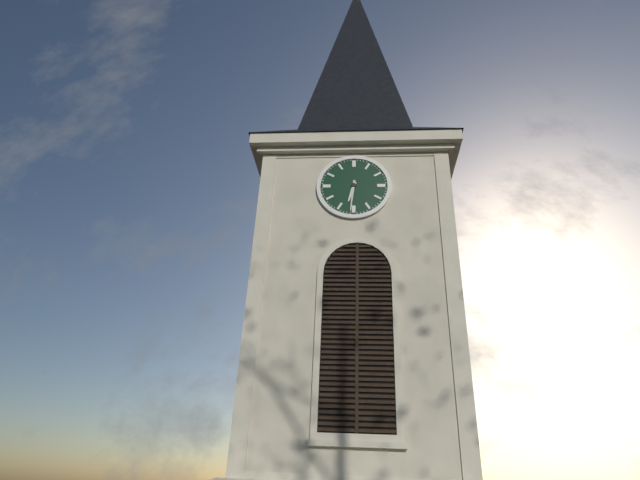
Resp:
**6:31**
